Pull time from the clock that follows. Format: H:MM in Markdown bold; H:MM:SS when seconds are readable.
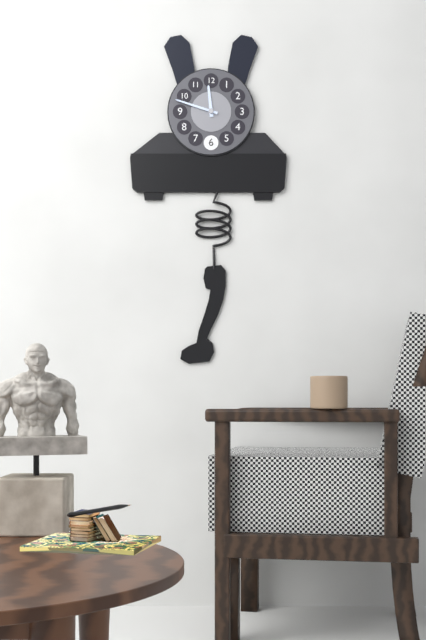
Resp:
**11:48**
